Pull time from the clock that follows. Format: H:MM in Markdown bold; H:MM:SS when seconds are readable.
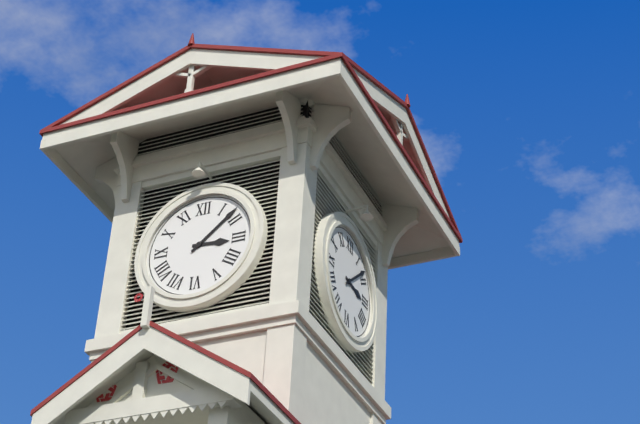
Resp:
**3:08**
